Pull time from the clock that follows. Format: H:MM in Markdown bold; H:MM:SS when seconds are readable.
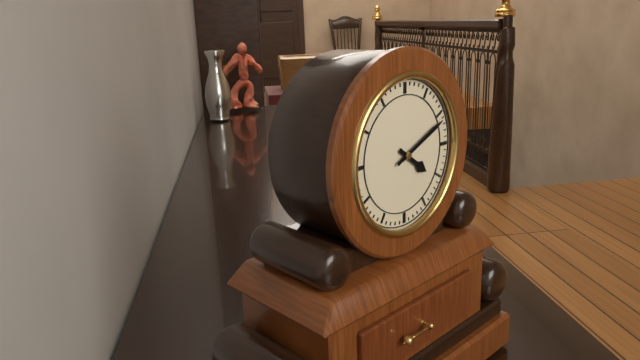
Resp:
**4:11**
